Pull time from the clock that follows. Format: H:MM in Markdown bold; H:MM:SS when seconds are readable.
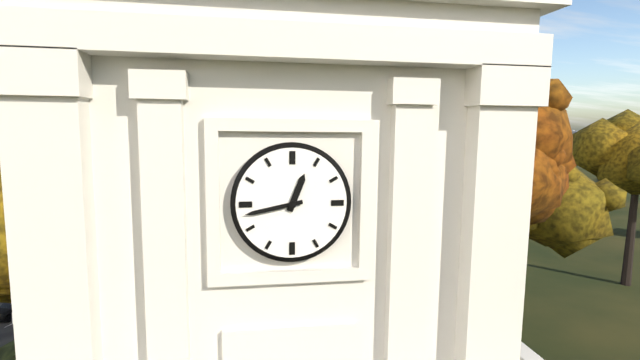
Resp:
**12:43**
